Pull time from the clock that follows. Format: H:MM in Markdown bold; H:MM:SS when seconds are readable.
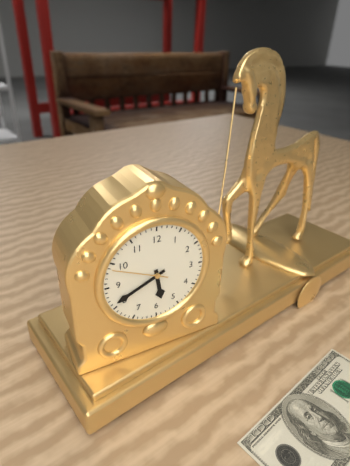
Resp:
**5:41:49**
